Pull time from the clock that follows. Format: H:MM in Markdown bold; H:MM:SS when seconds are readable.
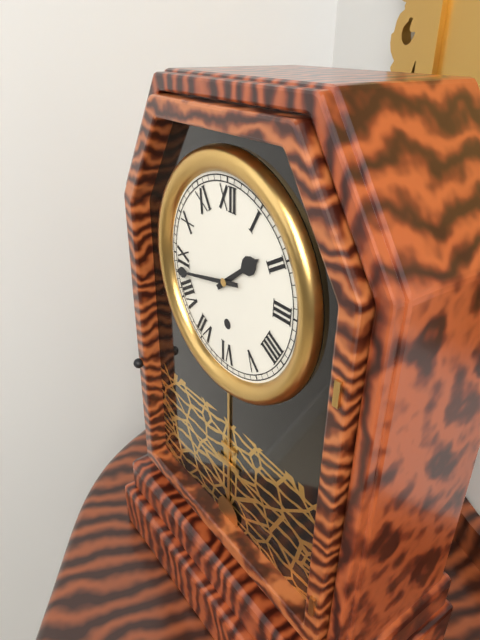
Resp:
**1:43**
